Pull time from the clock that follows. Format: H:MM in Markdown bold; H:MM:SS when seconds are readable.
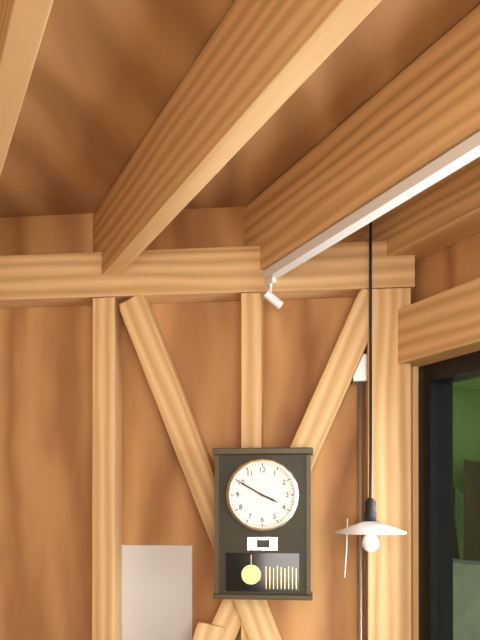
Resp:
**3:50**
